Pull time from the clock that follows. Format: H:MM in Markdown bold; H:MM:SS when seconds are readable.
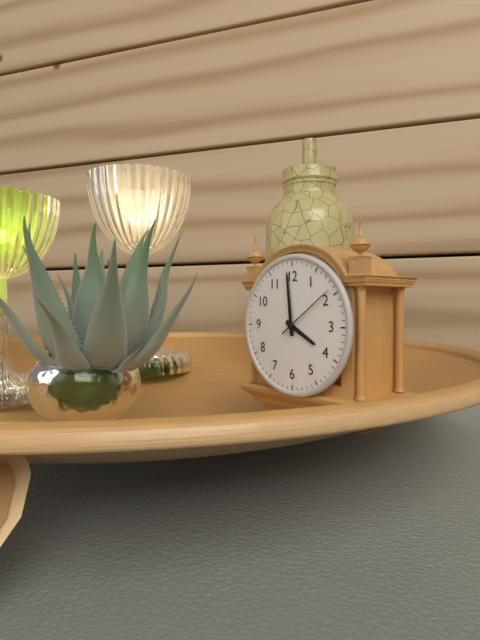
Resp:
**3:59:09**
